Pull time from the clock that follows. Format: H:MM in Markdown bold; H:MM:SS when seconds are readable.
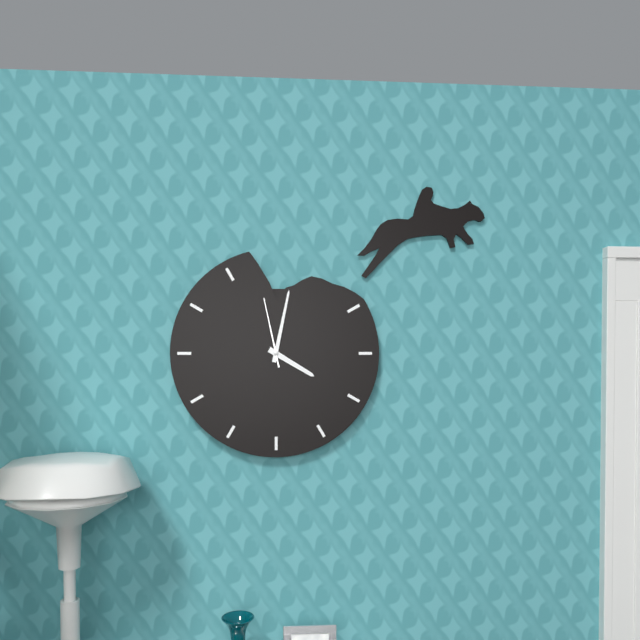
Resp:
**4:02:58**
